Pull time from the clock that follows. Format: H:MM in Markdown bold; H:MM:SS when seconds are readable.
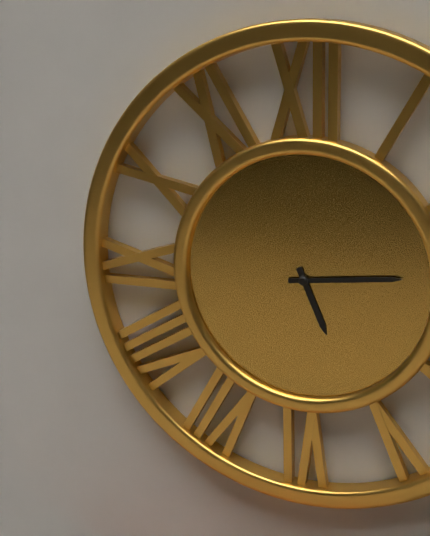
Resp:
**5:14**
